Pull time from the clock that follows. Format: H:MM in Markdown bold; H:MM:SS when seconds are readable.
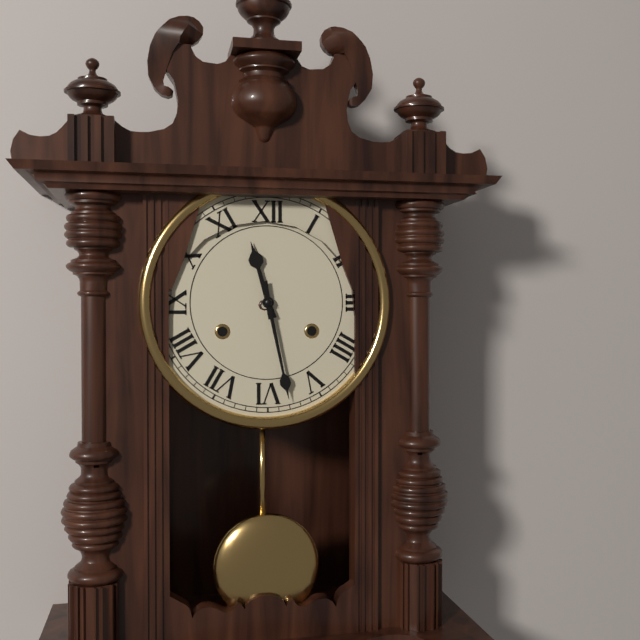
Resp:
**11:28**
